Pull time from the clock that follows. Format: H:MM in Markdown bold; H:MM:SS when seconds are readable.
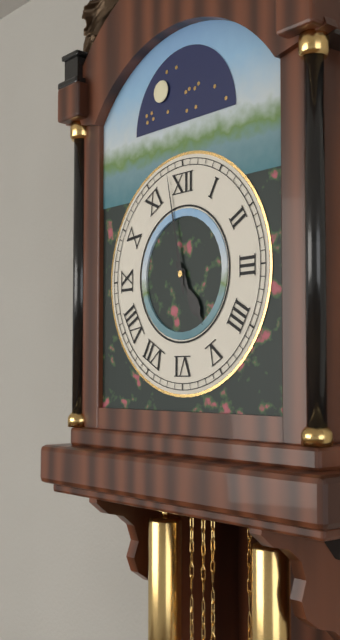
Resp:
**4:58**
